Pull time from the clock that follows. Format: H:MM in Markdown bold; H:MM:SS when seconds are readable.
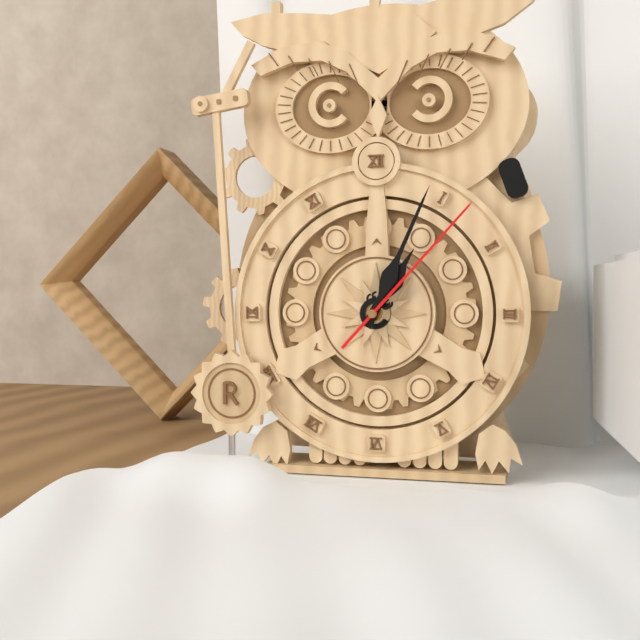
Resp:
**1:04:07**
